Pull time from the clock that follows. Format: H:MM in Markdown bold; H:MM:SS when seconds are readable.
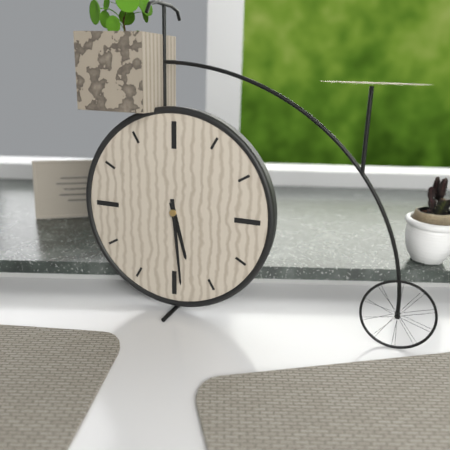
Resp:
**5:29**
